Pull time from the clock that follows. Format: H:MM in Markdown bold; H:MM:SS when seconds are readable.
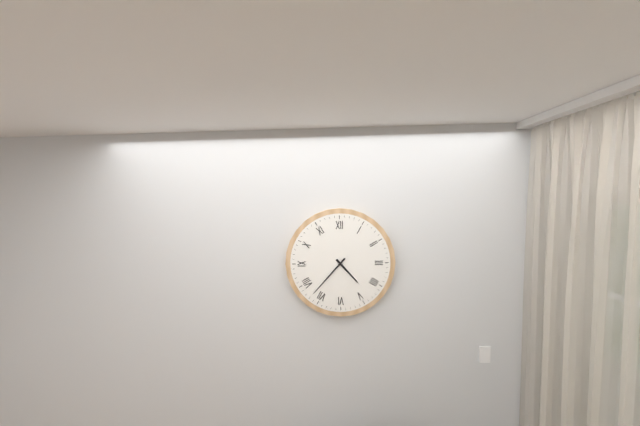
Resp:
**4:37**
